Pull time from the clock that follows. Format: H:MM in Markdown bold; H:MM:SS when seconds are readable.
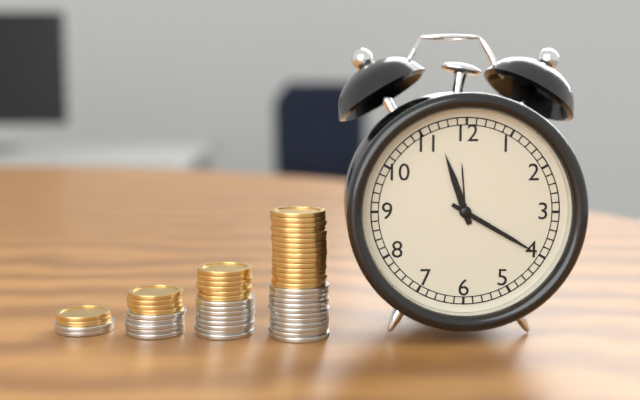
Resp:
**11:20**
